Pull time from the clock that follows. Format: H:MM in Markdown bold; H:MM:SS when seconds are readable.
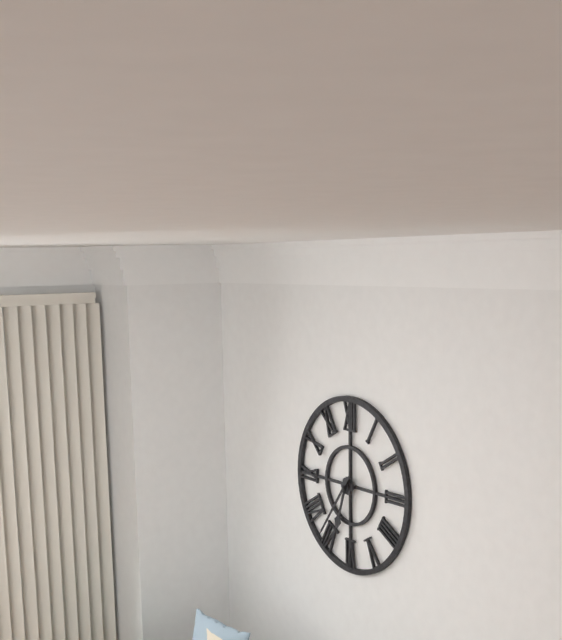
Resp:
**6:36**
